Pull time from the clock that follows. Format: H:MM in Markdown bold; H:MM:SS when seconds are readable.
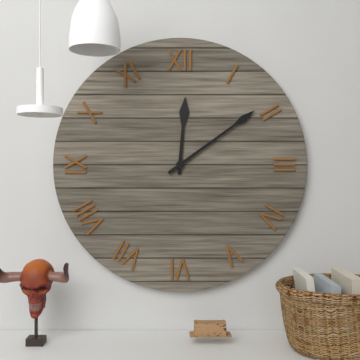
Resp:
**12:09**
